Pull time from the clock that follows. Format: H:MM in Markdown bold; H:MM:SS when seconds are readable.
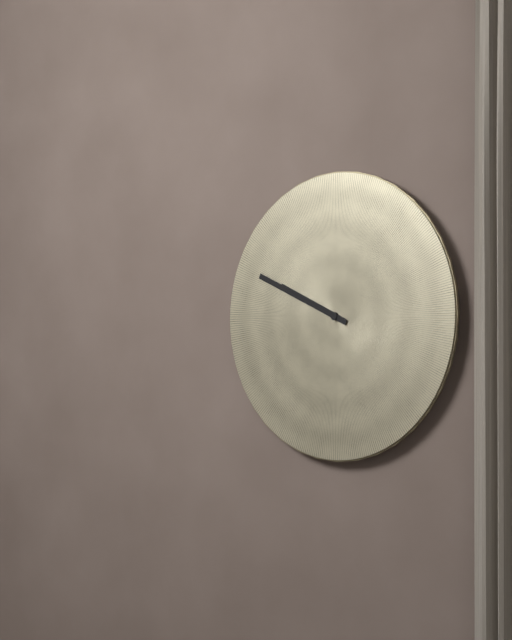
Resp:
**9:49**
